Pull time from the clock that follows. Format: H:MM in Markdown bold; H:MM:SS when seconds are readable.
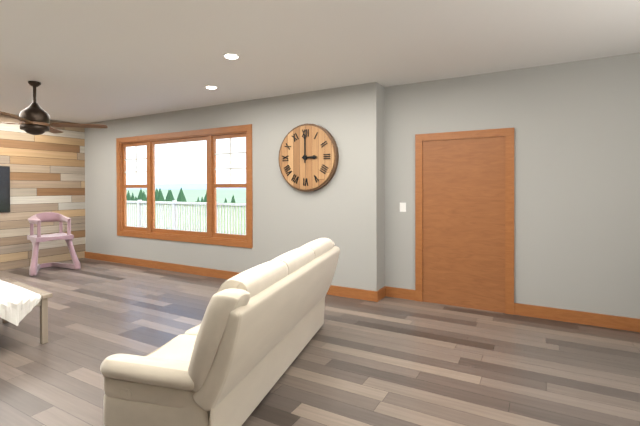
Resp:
**3:00**
